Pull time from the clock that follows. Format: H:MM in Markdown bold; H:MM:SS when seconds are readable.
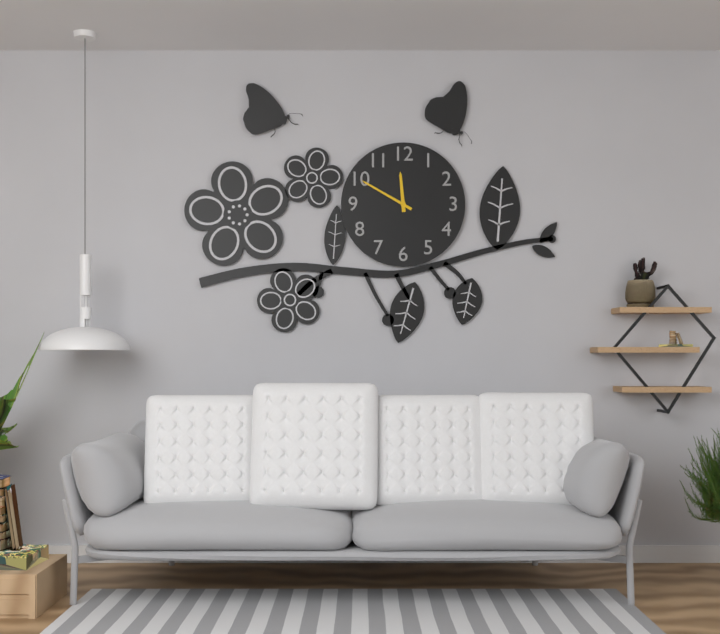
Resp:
**11:50**
